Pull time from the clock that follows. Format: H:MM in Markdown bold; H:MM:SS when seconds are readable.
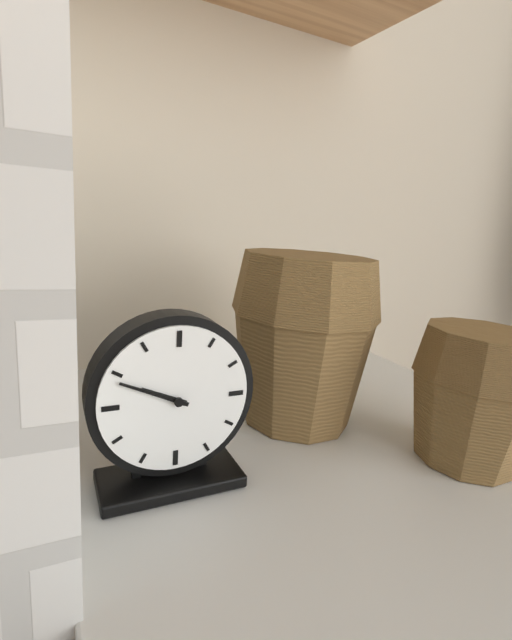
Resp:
**9:49**
